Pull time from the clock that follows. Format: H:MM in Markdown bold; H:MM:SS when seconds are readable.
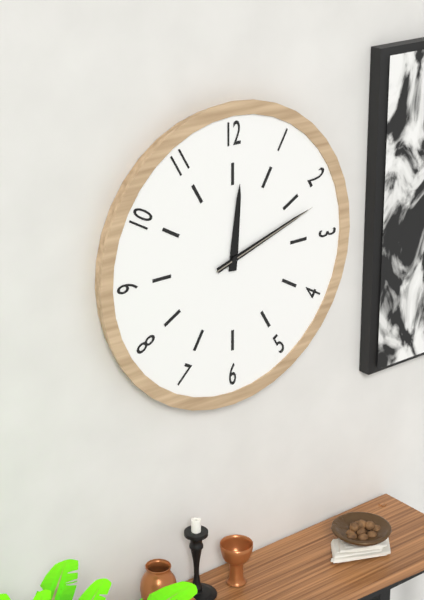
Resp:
**12:12:12**
